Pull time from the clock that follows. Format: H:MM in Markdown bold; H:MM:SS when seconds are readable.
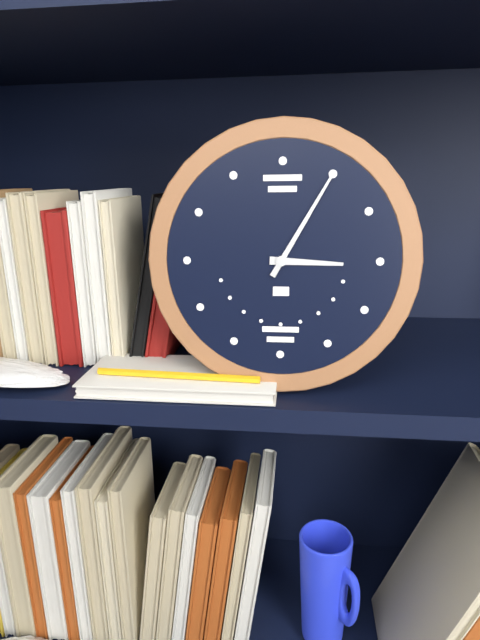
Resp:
**3:05**
